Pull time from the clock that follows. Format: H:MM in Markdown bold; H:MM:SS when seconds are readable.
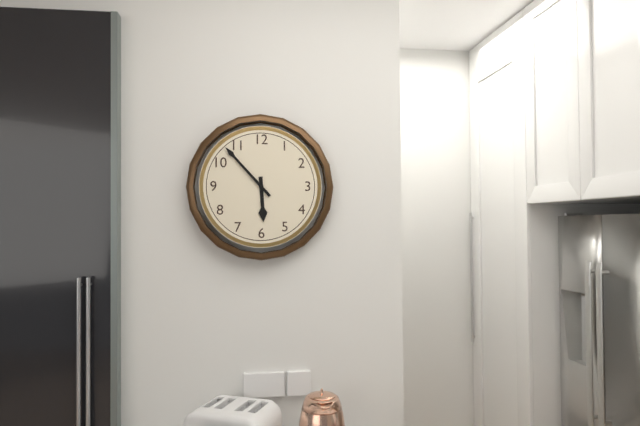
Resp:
**5:53**
